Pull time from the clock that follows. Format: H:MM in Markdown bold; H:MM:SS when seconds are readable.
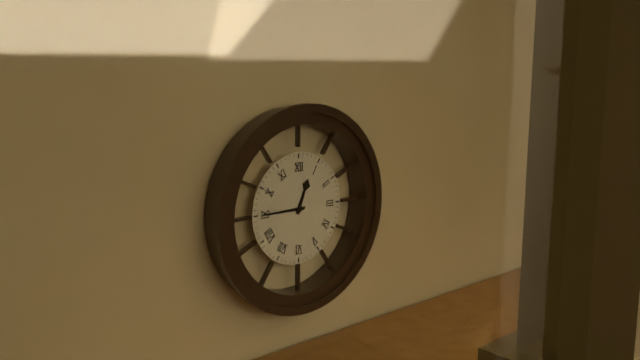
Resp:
**12:45**
